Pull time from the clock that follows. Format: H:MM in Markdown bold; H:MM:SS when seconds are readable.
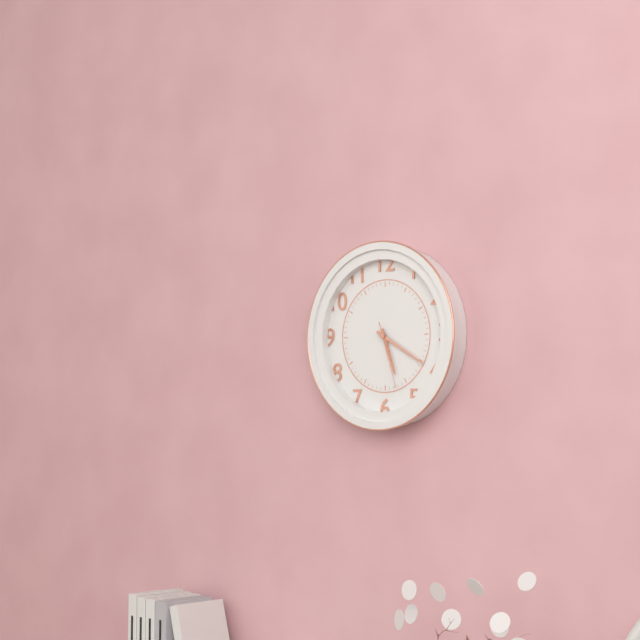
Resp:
**5:20:27**
